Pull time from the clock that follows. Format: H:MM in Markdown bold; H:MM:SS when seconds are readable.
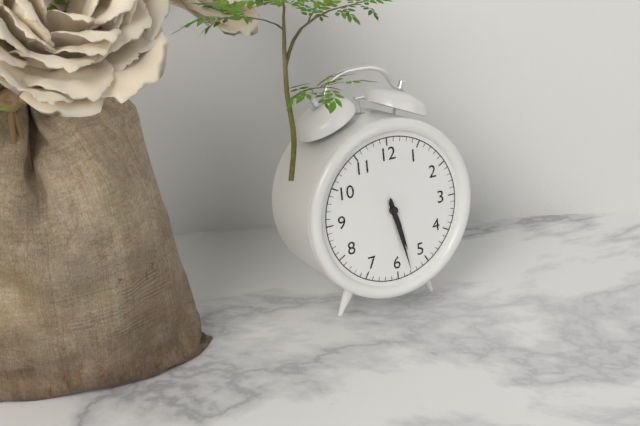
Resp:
**5:28**
